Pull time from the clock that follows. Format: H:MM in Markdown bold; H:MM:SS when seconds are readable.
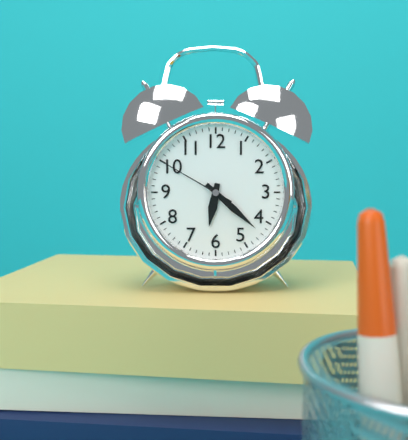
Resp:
**6:22:50**
